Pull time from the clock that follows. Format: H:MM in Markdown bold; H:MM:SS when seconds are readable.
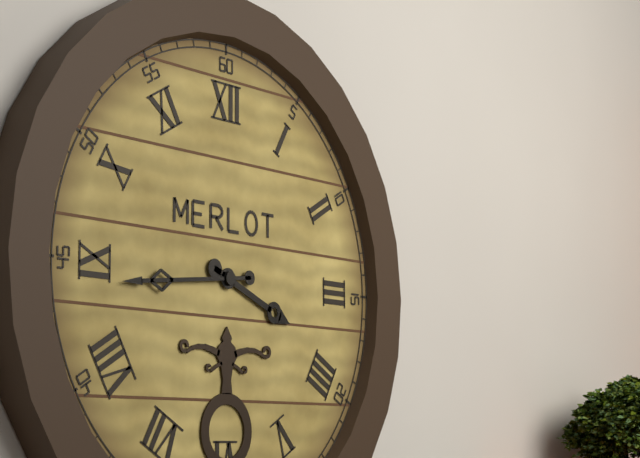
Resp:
**3:44**
